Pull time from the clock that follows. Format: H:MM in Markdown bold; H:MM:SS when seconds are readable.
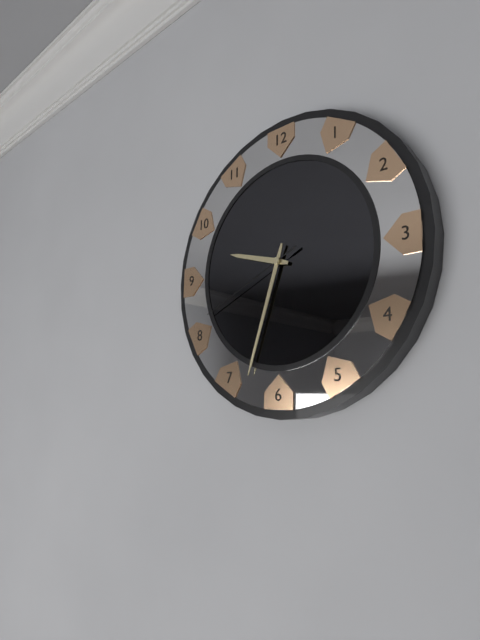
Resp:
**9:33:41**
